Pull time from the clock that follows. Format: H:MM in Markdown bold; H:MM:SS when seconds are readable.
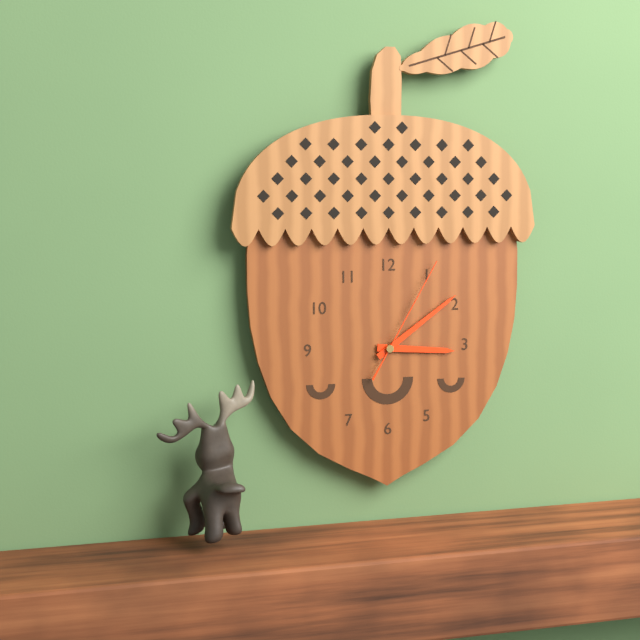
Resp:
**3:09:05**
